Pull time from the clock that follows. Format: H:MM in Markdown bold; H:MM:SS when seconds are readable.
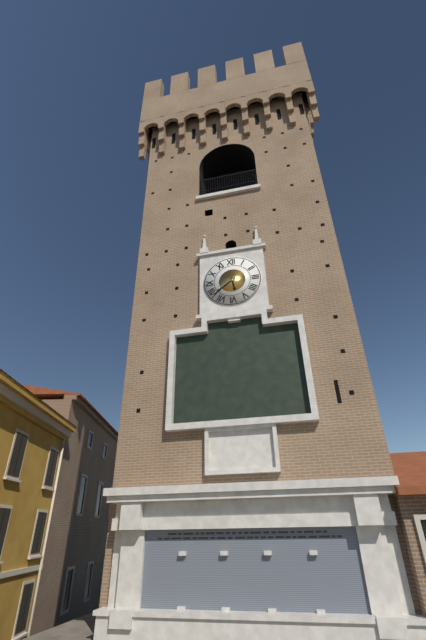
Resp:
**5:39**
